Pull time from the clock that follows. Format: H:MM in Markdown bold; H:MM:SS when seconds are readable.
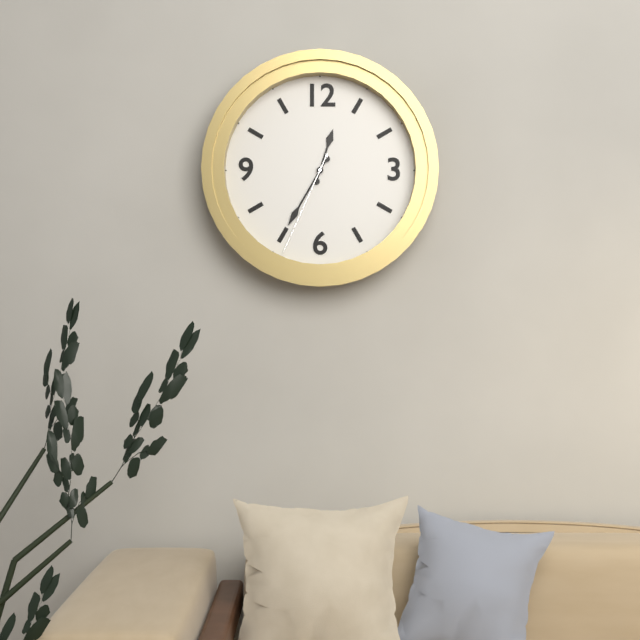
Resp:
**12:35:34**
